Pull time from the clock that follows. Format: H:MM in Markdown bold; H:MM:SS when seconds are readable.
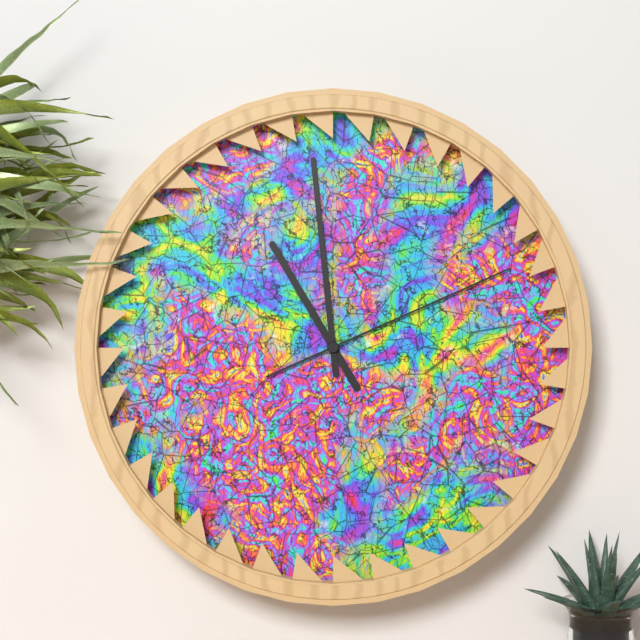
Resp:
**10:59:11**
